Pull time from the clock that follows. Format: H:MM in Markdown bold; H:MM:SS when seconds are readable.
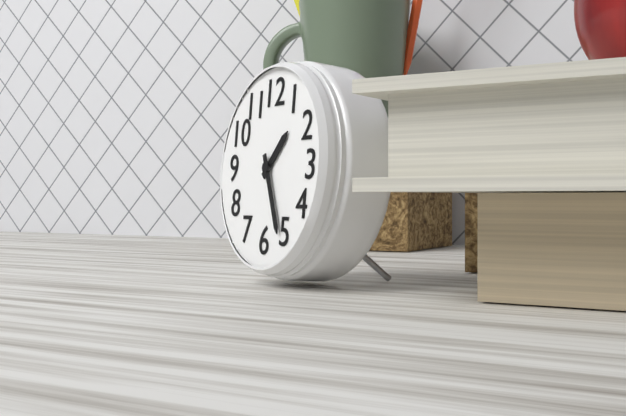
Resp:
**1:26**
